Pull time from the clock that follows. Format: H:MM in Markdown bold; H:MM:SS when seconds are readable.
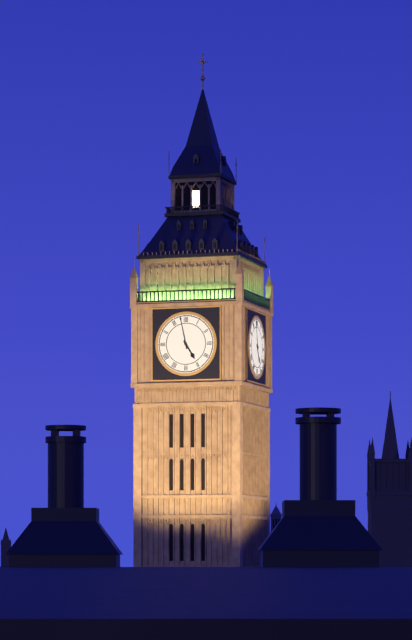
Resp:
**4:58**
